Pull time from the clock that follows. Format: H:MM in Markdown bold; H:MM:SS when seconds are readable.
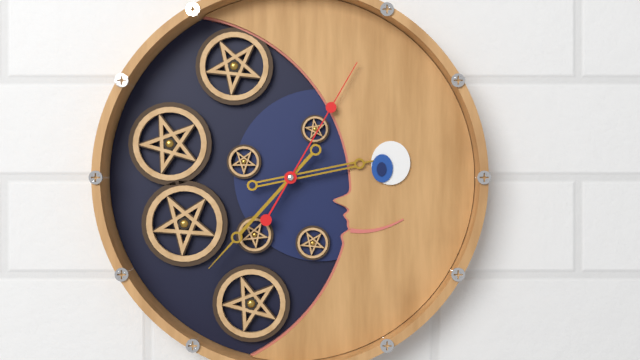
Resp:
**2:37:05**
